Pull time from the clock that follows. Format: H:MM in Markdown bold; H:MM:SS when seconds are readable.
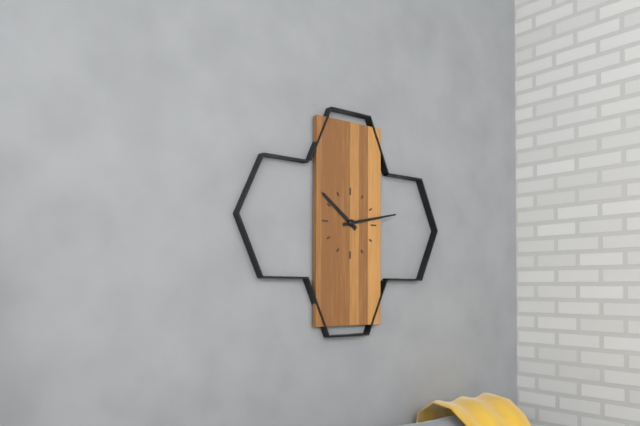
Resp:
**10:13**
